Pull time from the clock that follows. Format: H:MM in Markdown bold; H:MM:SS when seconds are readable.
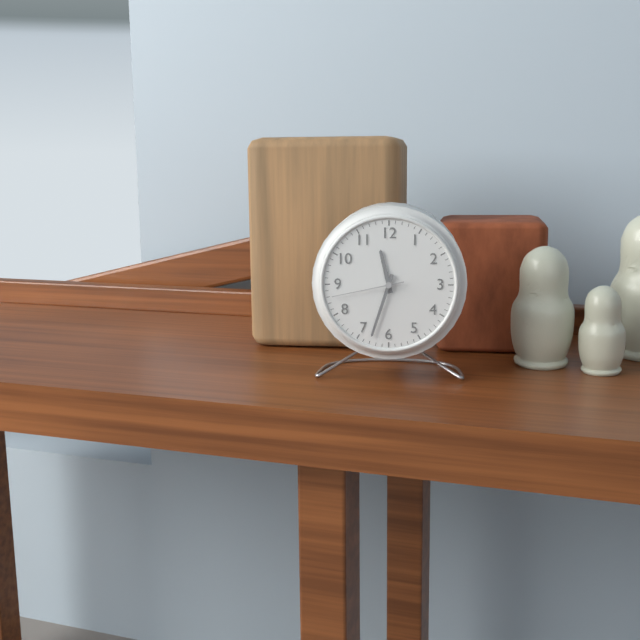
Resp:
**11:33:43**
